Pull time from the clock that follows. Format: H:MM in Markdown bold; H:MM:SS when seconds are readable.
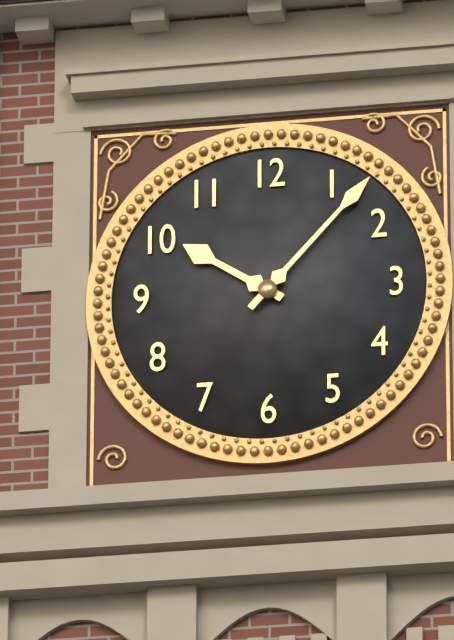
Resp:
**10:07**
